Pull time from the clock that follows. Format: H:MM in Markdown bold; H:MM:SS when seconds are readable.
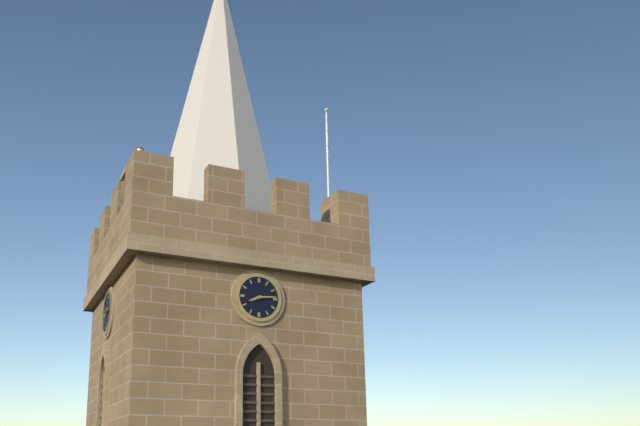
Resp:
**8:14**
